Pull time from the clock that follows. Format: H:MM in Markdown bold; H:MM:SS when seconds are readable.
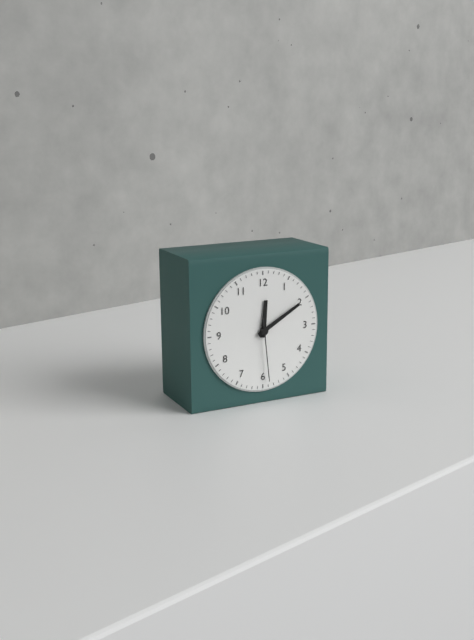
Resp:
**12:10:29**
